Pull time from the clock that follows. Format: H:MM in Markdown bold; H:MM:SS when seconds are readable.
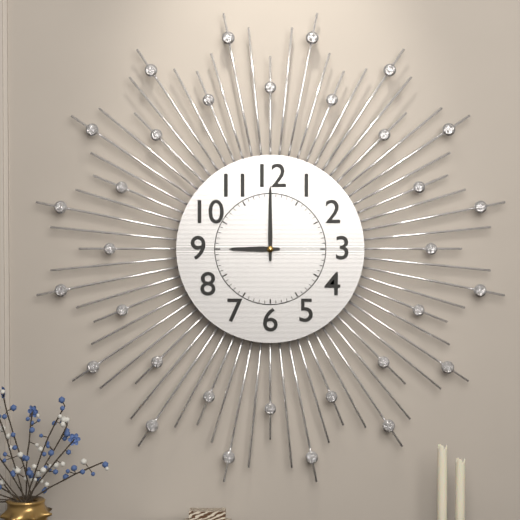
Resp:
**9:00**
